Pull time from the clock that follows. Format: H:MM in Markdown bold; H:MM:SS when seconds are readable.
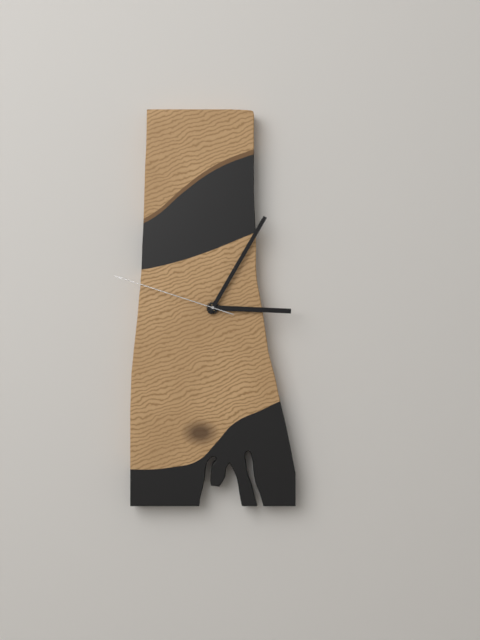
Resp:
**3:05:48**
